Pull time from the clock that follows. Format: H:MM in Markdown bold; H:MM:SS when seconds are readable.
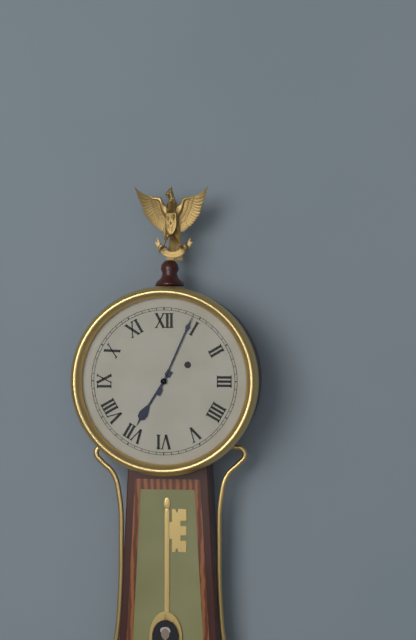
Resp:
**7:04**
